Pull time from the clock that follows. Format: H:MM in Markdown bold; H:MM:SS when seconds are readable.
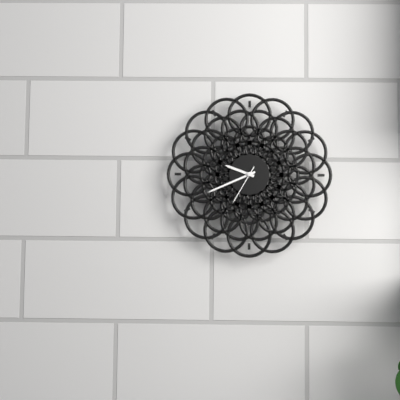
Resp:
**9:41**
